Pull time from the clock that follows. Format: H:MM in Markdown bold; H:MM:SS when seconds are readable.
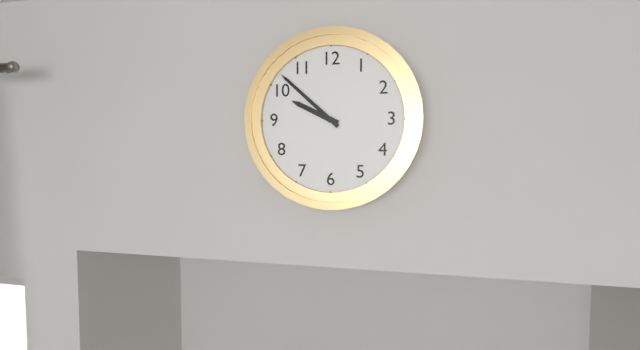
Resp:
**9:52**
